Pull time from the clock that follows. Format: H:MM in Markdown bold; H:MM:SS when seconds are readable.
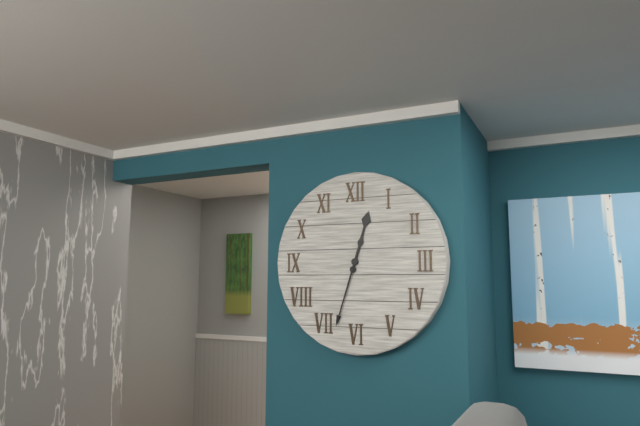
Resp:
**12:33**
